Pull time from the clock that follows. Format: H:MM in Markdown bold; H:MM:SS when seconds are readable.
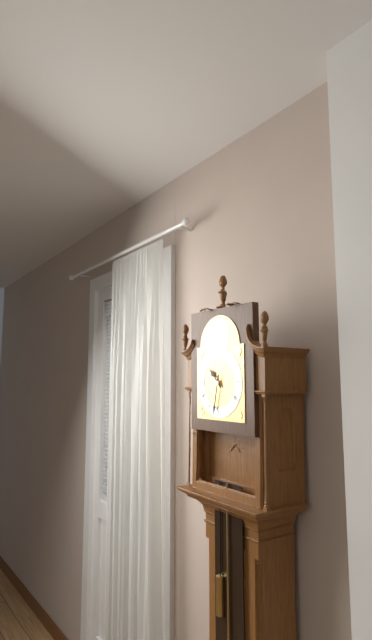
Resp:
**10:32**
